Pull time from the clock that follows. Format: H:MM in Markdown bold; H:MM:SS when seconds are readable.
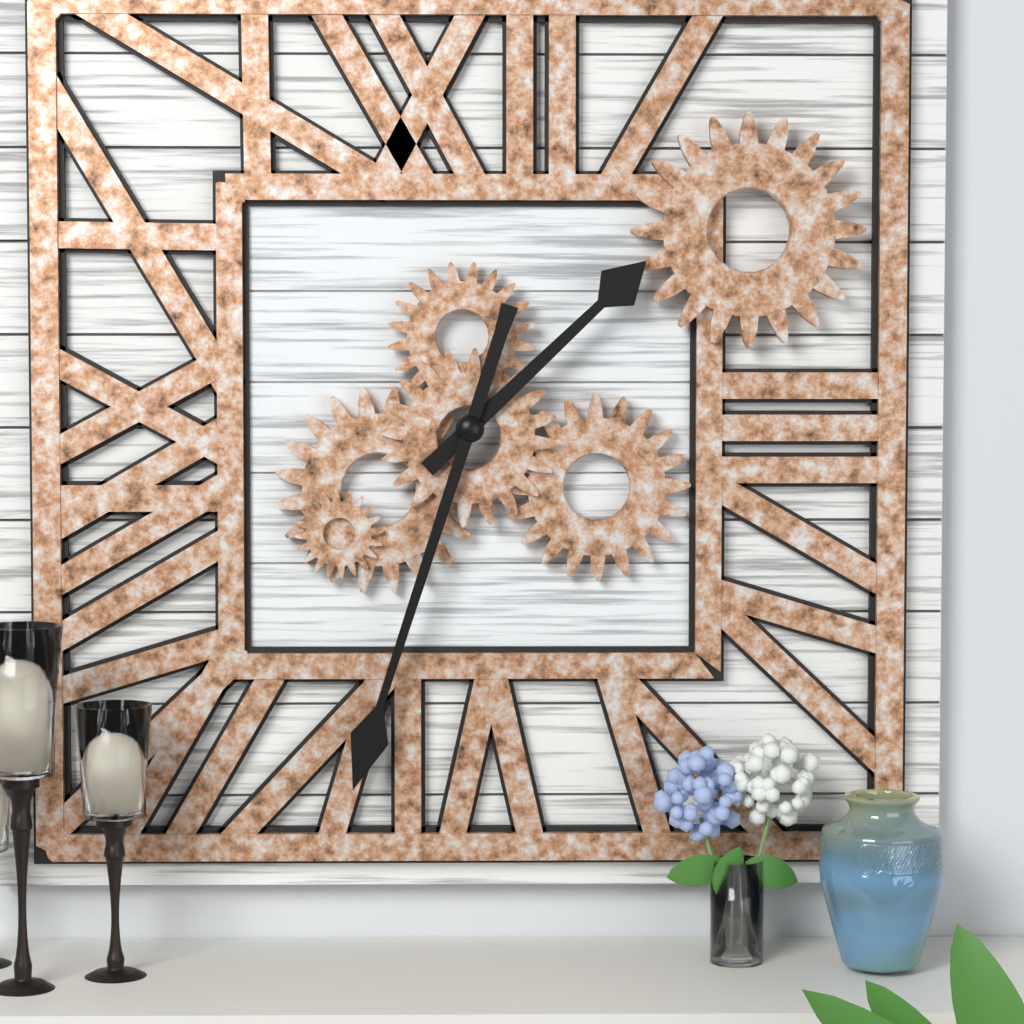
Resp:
**1:33**
